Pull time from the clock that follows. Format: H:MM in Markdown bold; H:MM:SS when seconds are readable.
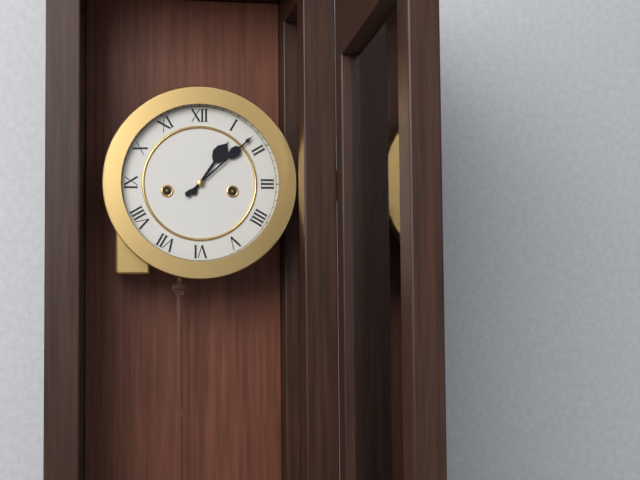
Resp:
**1:08**
